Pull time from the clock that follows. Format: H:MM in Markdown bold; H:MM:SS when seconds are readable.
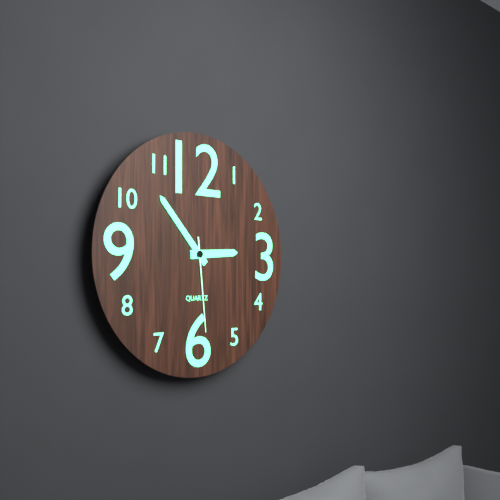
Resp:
**2:53:29**
